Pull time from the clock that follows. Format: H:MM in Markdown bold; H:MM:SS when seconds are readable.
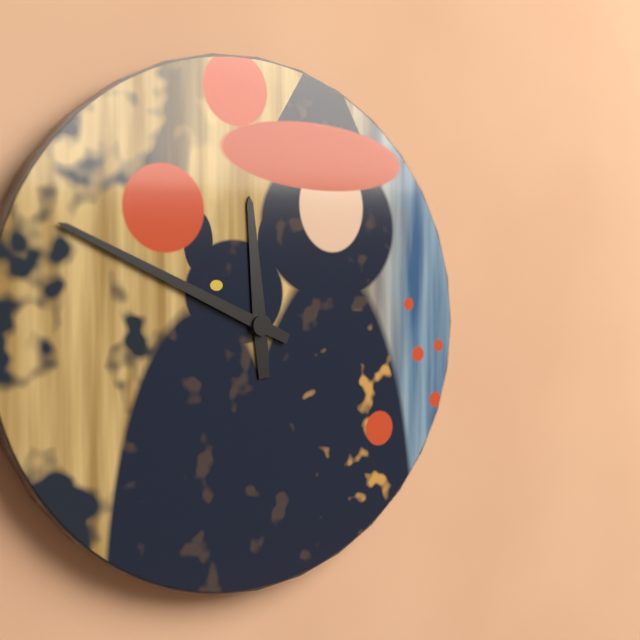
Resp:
**11:49**
